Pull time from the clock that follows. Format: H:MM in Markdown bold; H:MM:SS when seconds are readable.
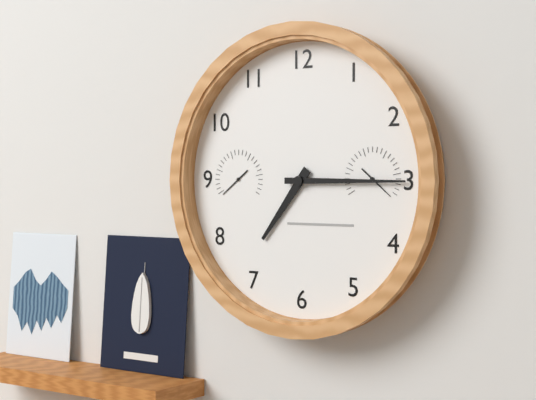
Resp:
**7:15**
